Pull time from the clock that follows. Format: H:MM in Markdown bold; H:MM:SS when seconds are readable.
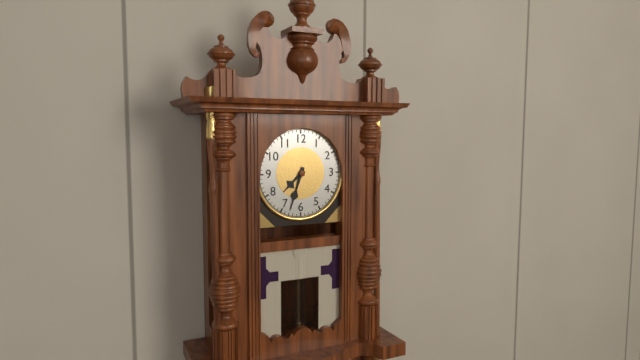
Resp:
**7:33**
